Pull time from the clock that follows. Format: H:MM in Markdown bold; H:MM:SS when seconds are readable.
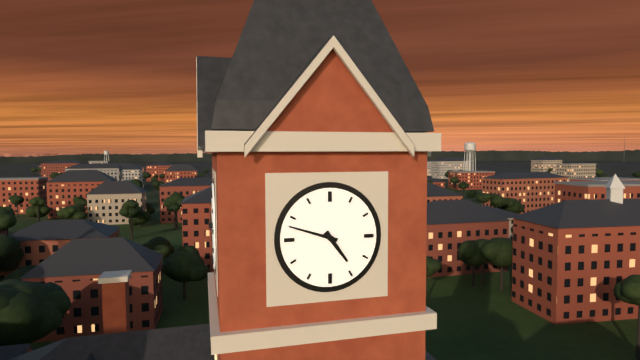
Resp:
**4:48**
